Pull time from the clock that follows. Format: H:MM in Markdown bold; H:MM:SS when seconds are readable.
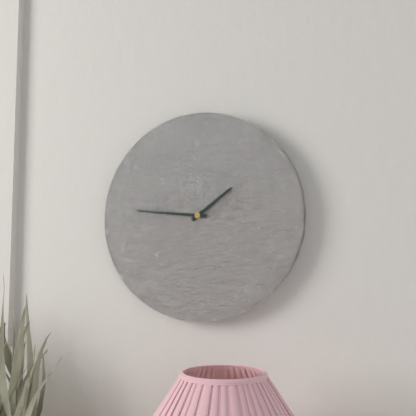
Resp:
**1:46**
